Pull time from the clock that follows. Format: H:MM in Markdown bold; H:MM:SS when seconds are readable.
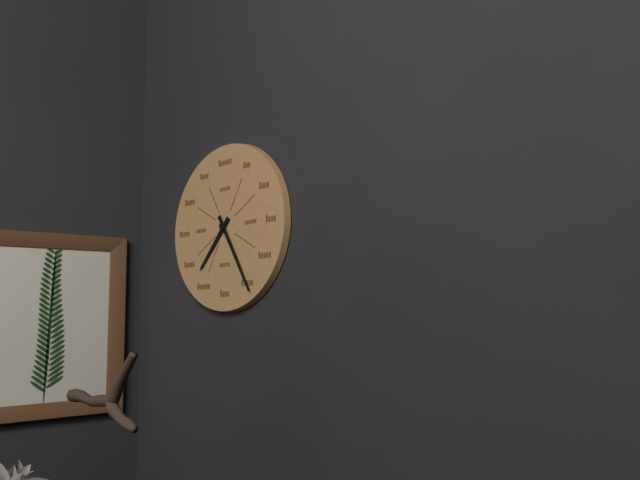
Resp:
**7:25**
